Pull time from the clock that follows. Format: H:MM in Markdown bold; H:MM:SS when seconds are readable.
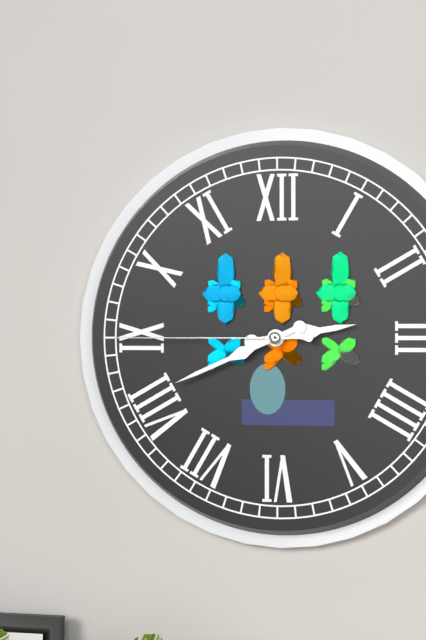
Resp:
**2:41:45**
